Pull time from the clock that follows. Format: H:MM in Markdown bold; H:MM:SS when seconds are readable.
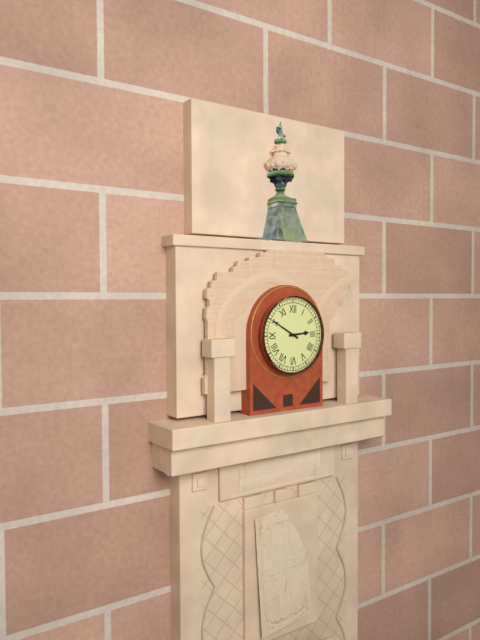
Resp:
**2:50**
